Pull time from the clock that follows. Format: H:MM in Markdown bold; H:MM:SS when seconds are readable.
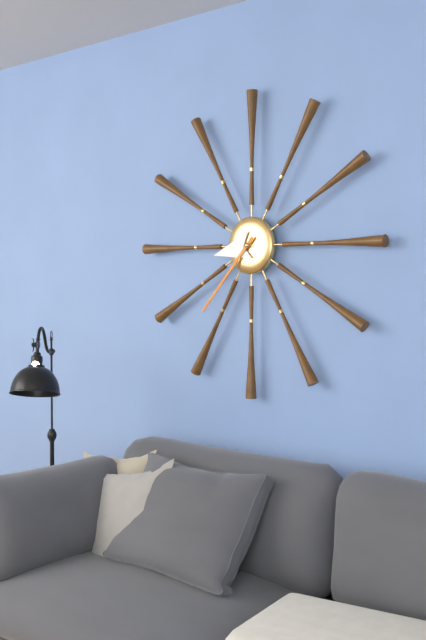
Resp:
**8:37**
